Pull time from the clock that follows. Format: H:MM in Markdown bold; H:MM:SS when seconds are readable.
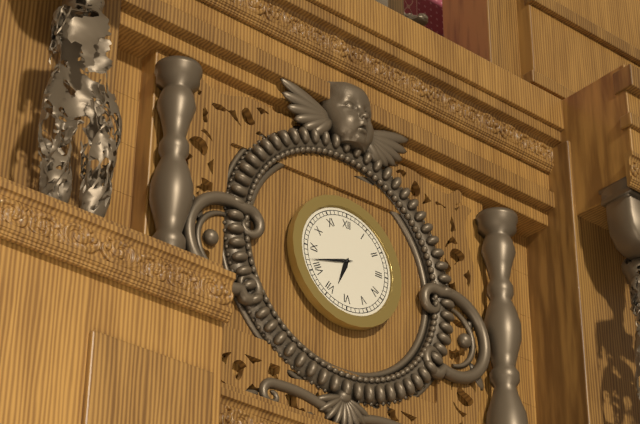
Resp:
**6:42**
